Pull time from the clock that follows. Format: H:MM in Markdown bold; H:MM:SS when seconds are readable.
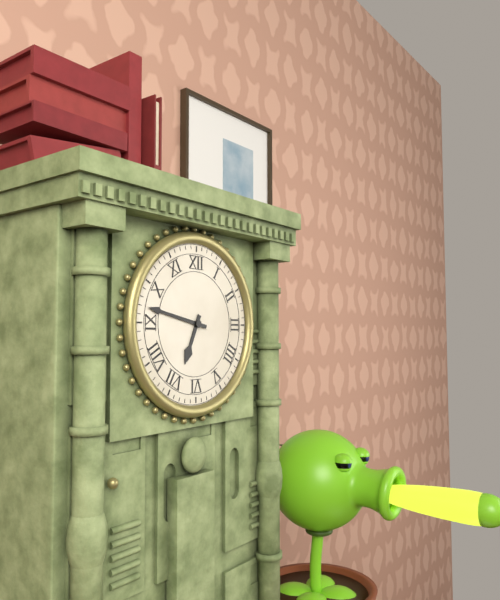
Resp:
**6:47**
